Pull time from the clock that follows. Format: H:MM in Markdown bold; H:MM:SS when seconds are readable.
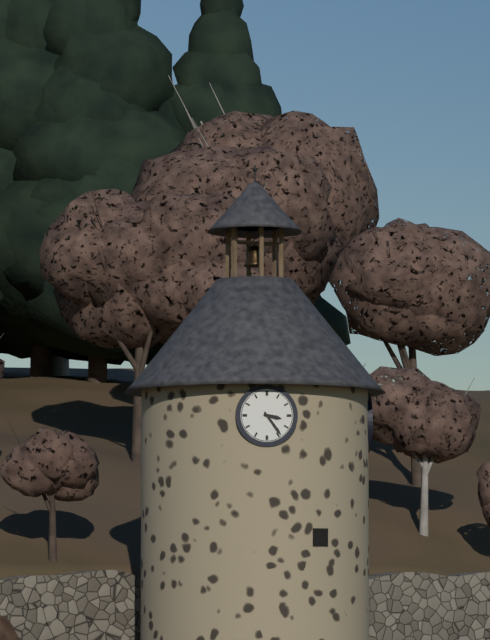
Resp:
**3:24**
